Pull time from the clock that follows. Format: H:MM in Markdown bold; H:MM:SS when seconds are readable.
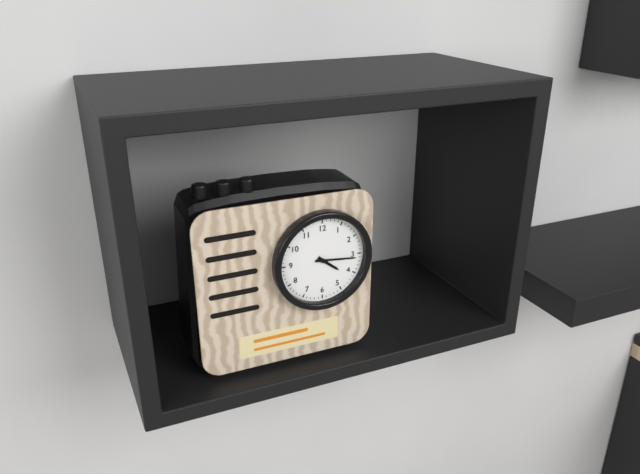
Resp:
**4:16**
